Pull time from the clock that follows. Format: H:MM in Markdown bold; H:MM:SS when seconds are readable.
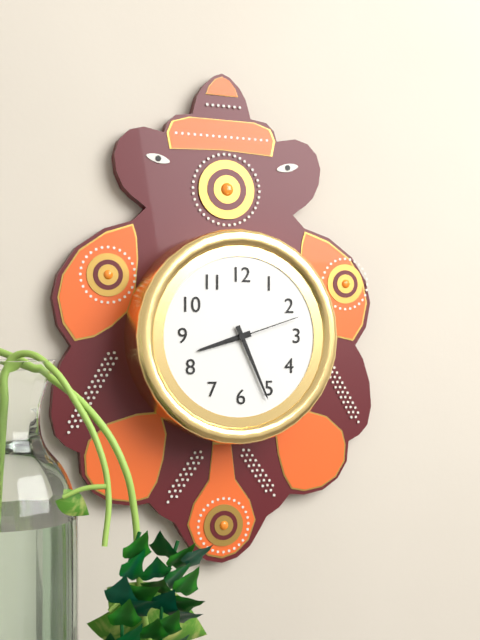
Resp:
**8:26:12**
